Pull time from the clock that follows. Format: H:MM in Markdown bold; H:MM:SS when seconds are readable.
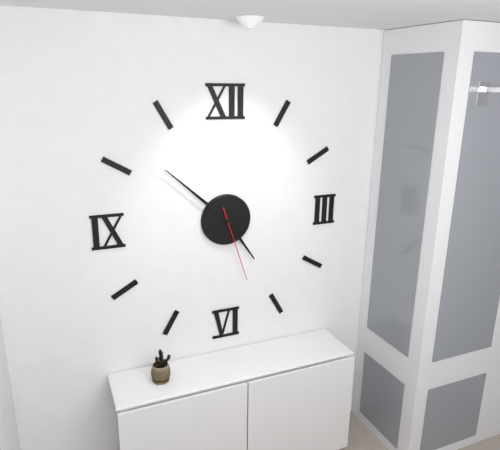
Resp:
**4:52:27**
